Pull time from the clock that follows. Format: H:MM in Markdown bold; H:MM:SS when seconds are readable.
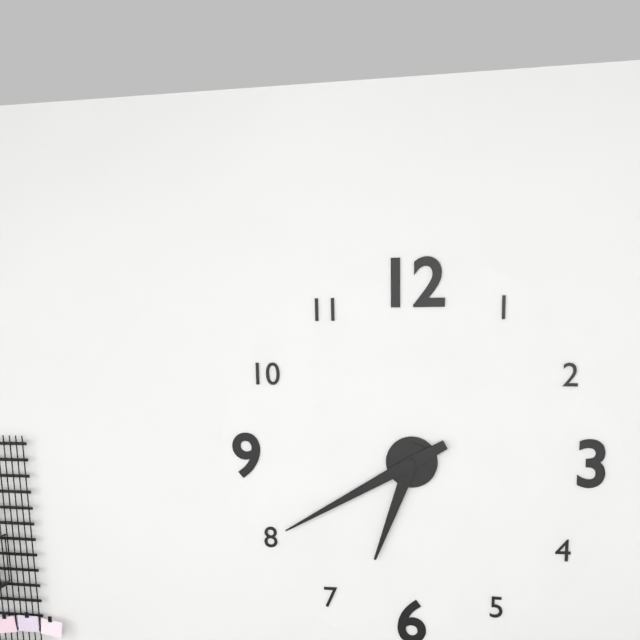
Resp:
**6:40**
